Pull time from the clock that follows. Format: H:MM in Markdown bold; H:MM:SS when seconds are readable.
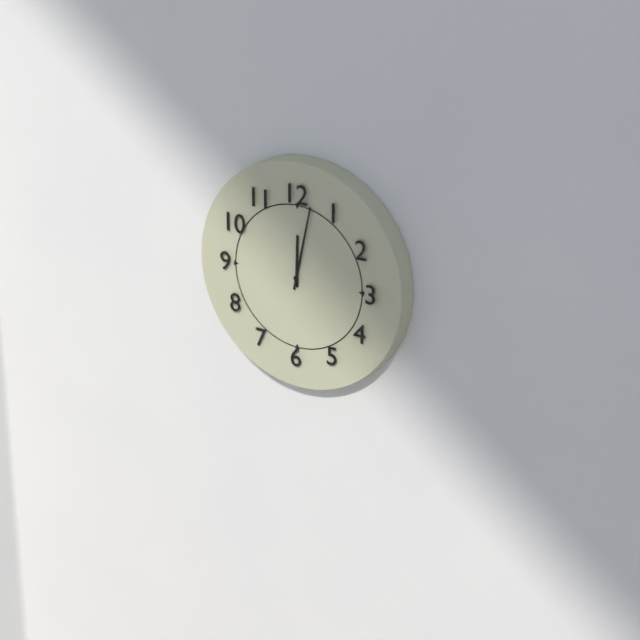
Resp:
**12:02**
